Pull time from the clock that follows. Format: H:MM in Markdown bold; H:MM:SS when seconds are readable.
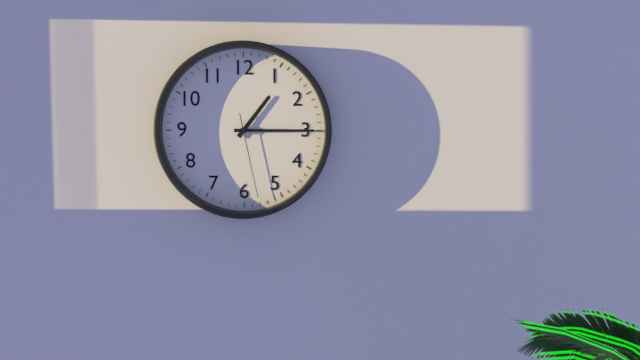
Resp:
**1:15:28**
